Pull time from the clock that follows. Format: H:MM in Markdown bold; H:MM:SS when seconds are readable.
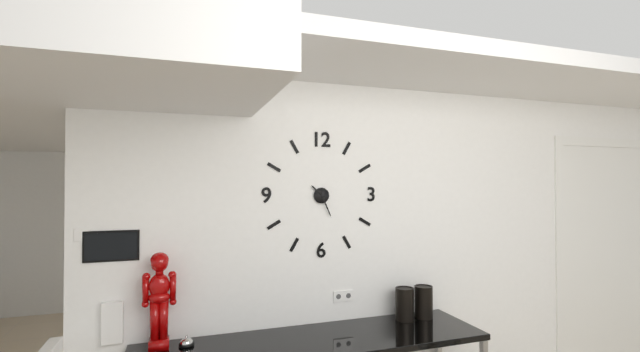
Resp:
**10:26**
